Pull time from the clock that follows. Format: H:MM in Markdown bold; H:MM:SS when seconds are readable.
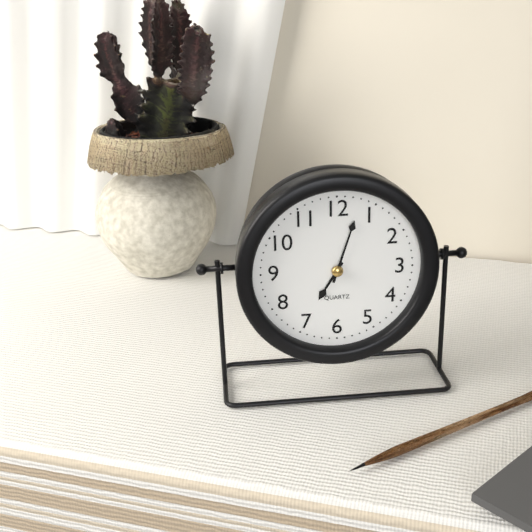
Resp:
**7:03**
